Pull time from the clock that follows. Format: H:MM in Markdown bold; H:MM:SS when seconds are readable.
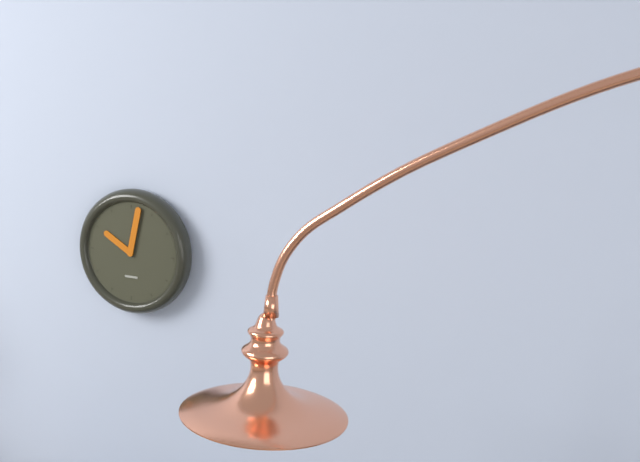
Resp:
**10:02**
